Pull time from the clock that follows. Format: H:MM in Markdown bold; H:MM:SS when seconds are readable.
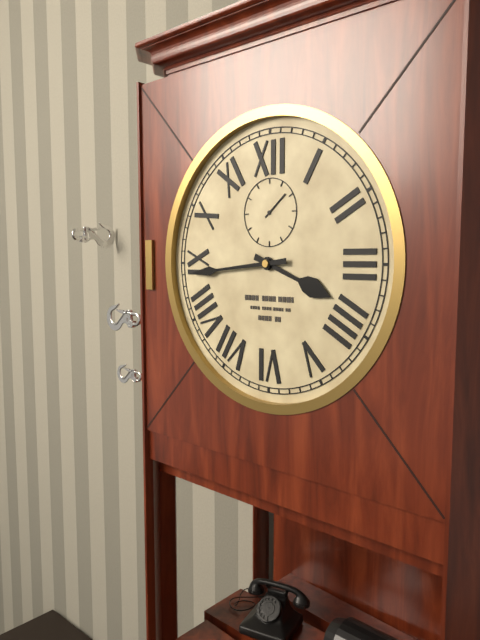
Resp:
**3:44**
